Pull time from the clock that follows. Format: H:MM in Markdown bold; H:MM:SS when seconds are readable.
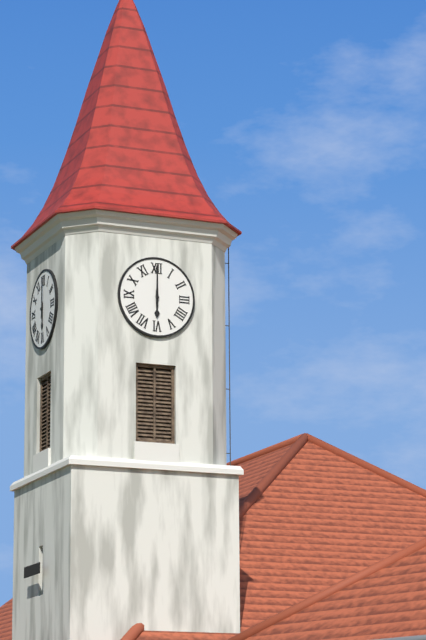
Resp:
**6:00**
